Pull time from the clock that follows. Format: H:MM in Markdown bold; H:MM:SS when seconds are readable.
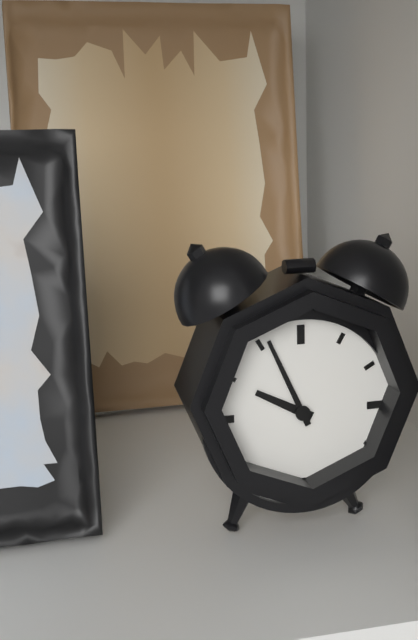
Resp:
**9:56**
